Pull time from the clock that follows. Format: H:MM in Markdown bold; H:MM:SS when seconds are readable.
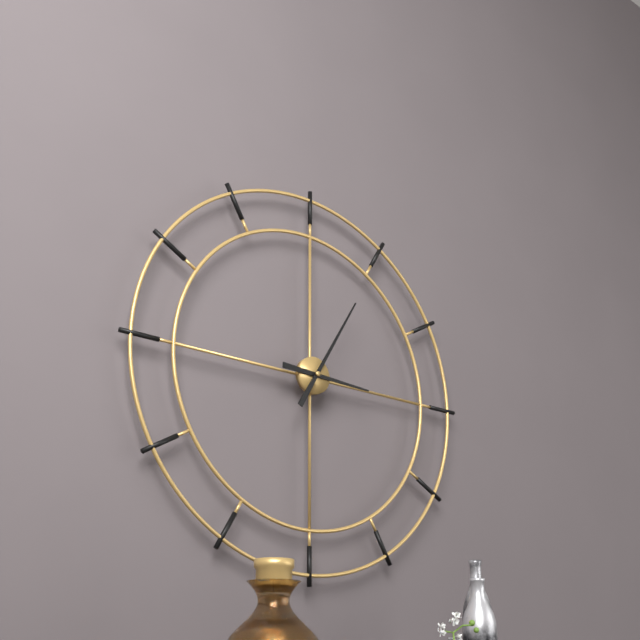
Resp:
**3:05**
